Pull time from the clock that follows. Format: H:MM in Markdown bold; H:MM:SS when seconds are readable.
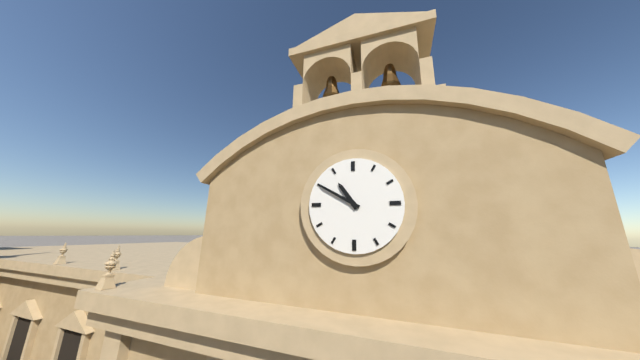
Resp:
**10:50**
